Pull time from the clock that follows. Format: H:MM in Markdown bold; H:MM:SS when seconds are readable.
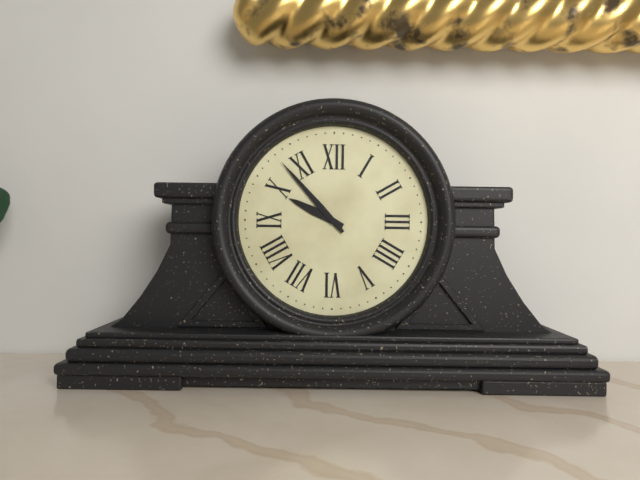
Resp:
**9:53**
